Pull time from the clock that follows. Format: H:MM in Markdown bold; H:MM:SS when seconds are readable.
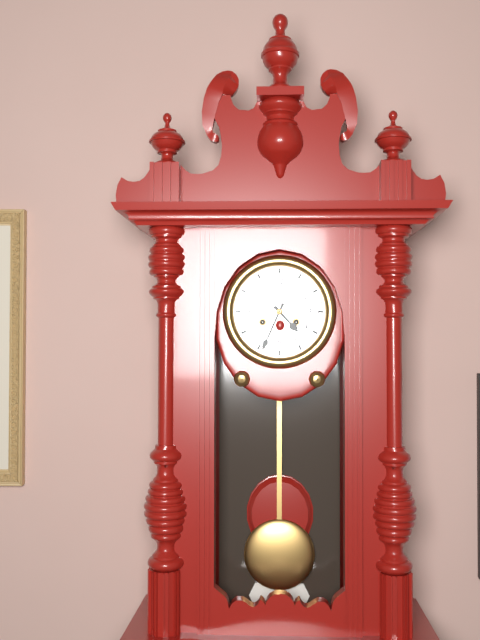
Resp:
**4:34**
